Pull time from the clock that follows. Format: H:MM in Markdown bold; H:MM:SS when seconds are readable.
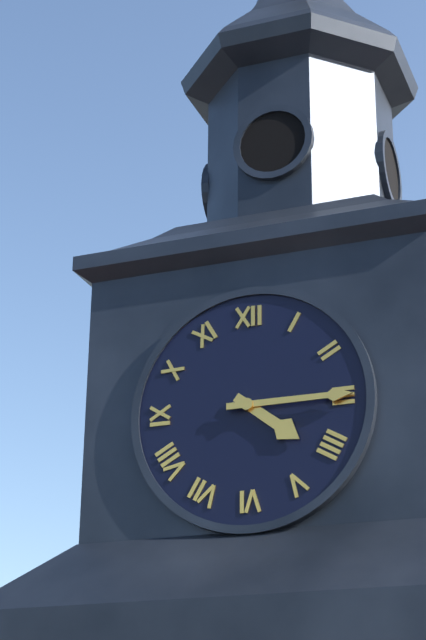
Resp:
**4:15**
